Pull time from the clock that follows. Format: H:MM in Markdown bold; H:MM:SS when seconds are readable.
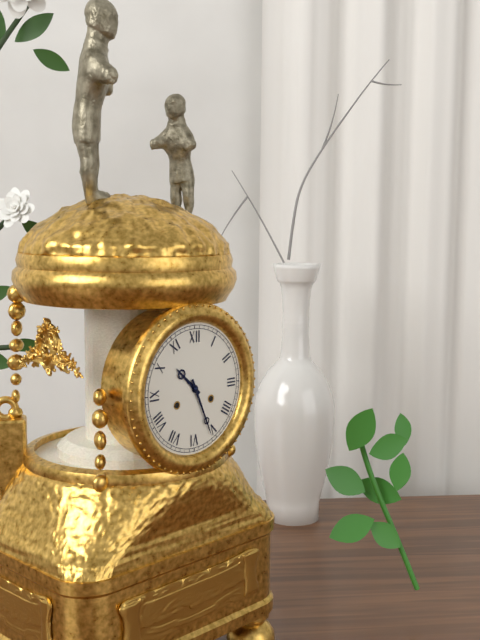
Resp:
**10:26**
